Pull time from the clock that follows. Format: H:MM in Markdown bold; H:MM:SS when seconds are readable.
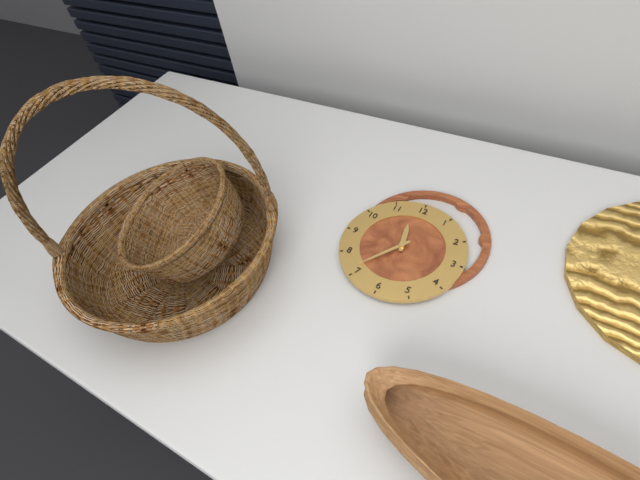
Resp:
**11:36**
